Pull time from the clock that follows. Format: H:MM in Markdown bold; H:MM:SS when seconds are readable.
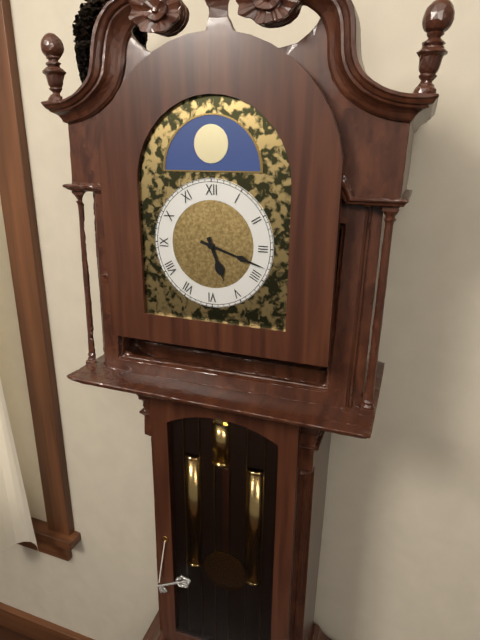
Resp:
**5:18**
